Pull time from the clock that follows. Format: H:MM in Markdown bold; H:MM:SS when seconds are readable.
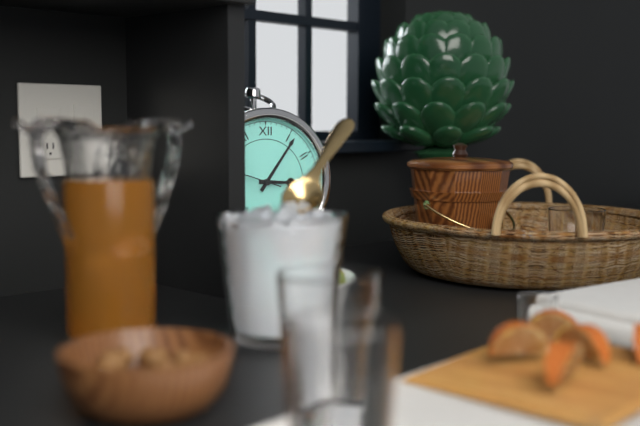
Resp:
**3:06**
